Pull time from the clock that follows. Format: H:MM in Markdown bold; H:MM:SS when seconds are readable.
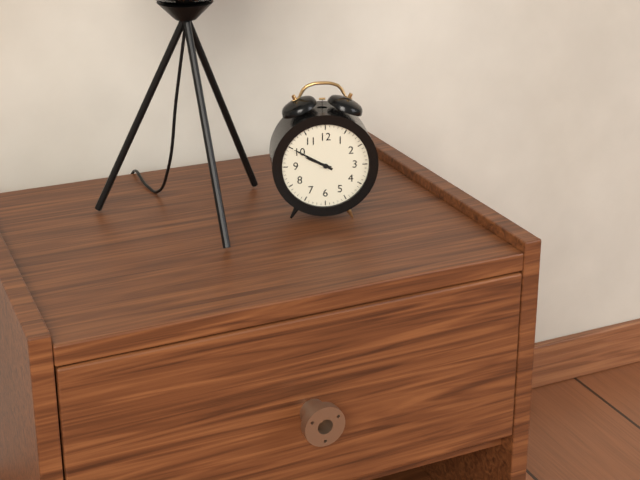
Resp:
**9:50**
